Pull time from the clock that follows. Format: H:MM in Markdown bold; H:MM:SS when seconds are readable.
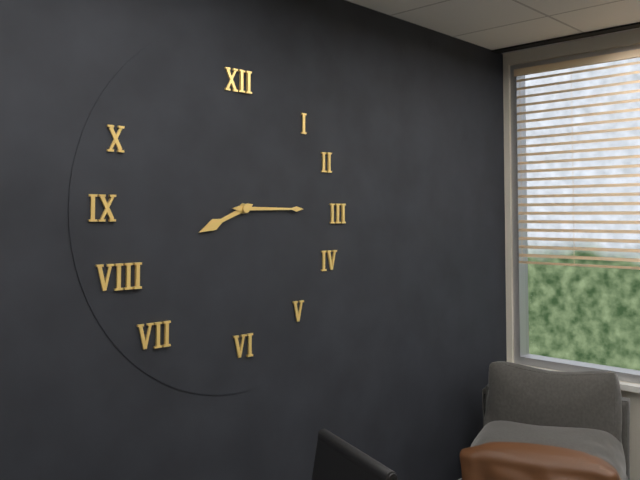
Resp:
**8:15**
